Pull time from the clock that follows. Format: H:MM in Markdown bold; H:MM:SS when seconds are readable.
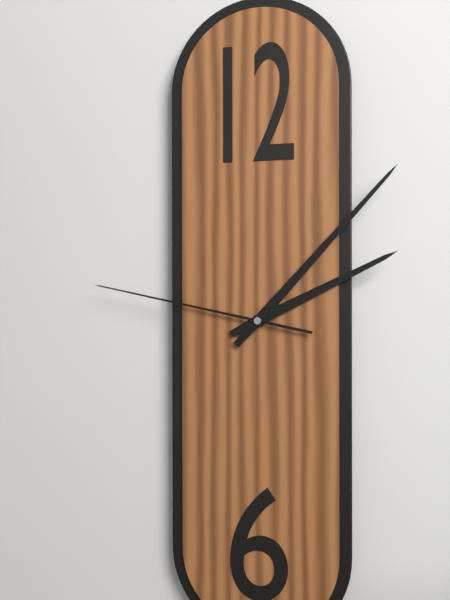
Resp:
**2:07:47**
